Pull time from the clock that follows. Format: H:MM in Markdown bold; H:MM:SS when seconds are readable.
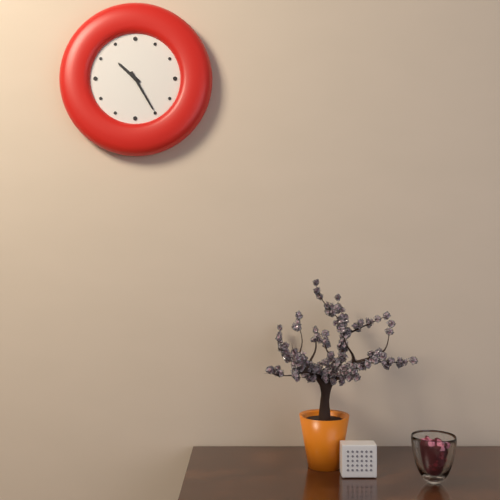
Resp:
**10:25**
